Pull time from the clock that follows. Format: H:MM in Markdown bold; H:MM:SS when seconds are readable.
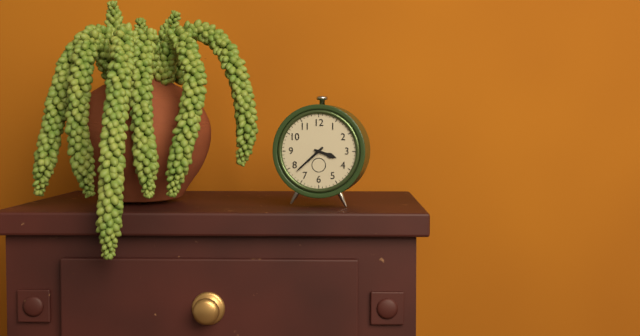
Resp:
**3:38**
